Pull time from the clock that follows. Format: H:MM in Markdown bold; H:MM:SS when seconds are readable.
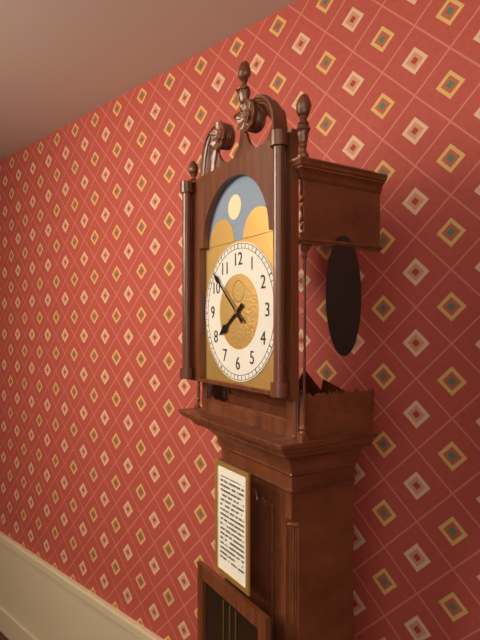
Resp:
**7:52**
